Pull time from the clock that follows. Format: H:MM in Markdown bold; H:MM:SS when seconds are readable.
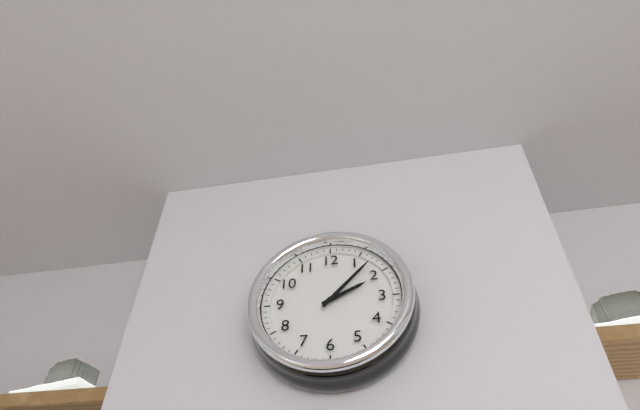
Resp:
**2:07**
